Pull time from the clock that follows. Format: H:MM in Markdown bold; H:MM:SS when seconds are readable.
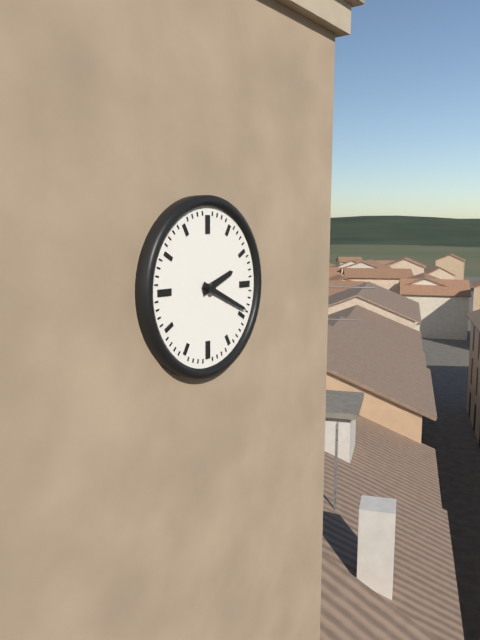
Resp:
**2:19**
